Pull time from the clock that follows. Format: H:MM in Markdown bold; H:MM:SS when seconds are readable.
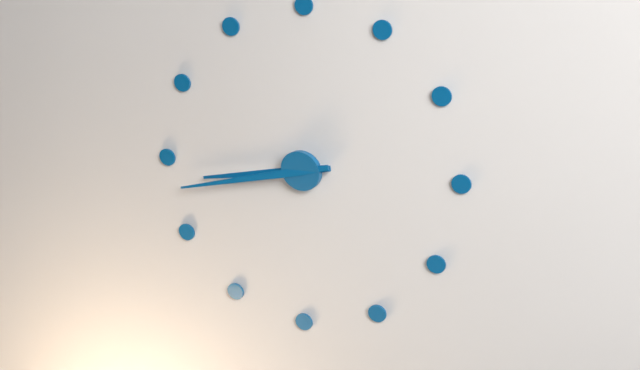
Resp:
**8:43**
